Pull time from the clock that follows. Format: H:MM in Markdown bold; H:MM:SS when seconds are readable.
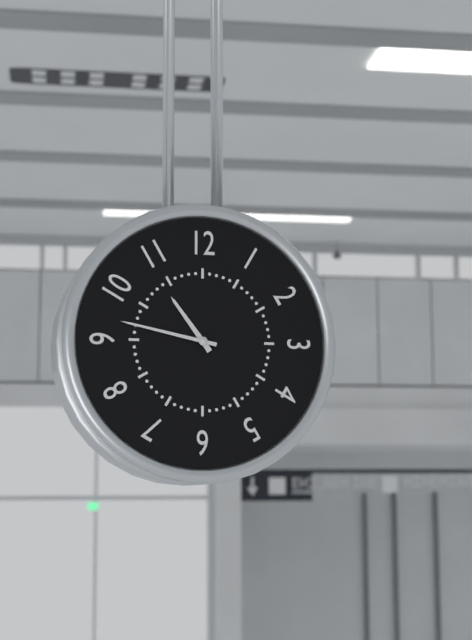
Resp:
**10:47**
